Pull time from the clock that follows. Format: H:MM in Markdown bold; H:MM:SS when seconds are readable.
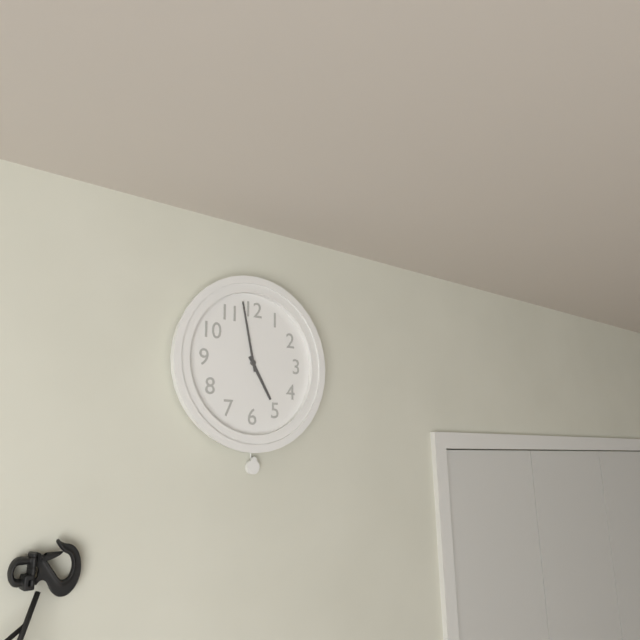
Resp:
**4:58**
